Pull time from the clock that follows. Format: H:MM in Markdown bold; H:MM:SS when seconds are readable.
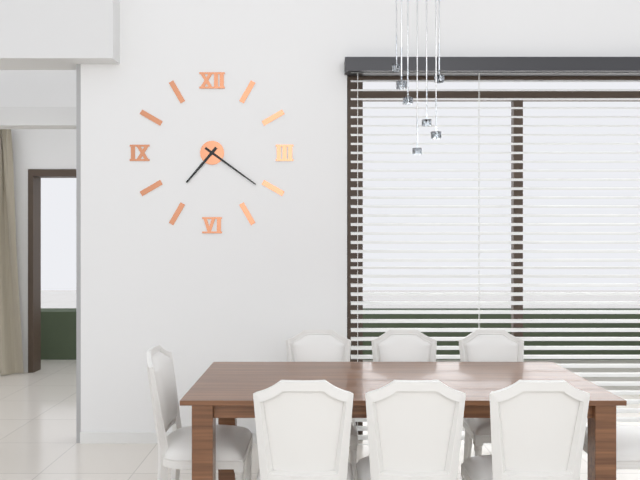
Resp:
**7:21**
